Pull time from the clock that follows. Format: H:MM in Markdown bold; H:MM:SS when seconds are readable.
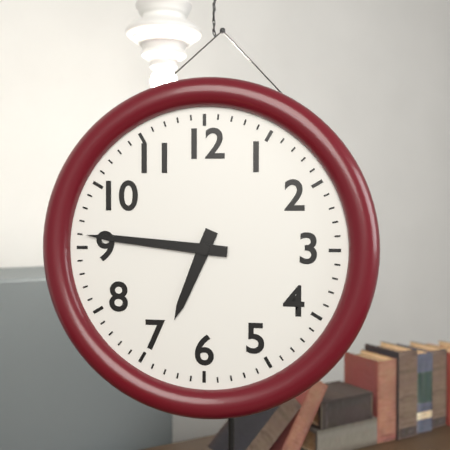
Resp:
**6:46**
